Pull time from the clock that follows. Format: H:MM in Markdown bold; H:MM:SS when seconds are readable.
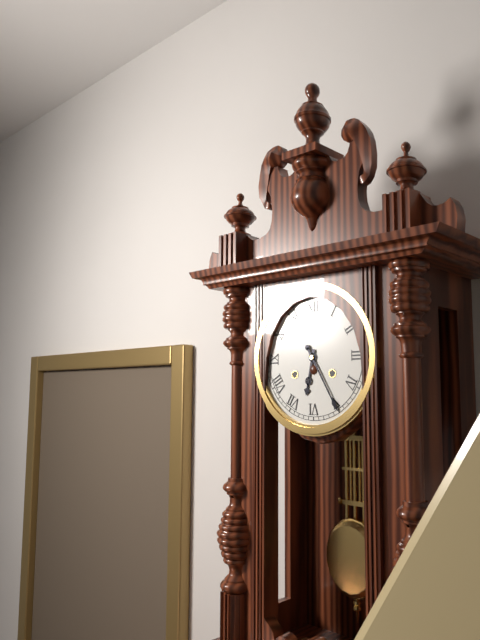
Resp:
**6:25**
